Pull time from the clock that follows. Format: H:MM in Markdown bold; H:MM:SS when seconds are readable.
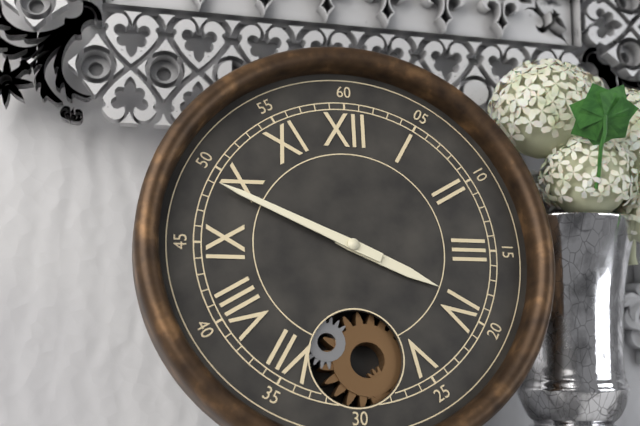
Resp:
**3:49**
